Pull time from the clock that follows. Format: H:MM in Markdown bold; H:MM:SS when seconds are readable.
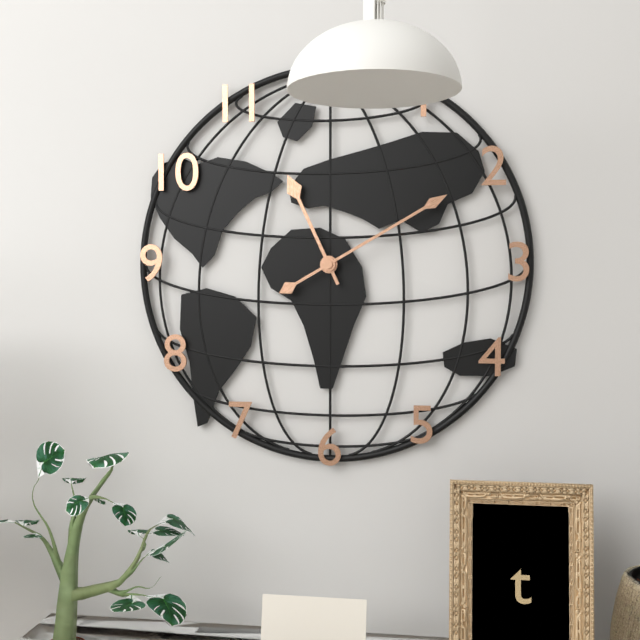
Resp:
**11:10**
